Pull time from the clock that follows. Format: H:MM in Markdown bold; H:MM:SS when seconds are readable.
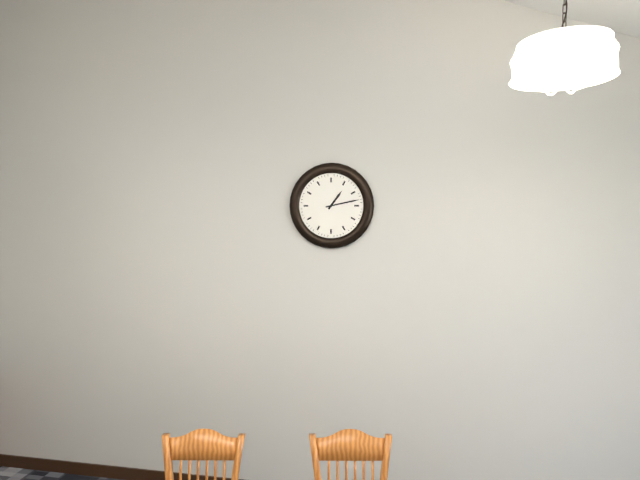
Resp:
**1:13**
